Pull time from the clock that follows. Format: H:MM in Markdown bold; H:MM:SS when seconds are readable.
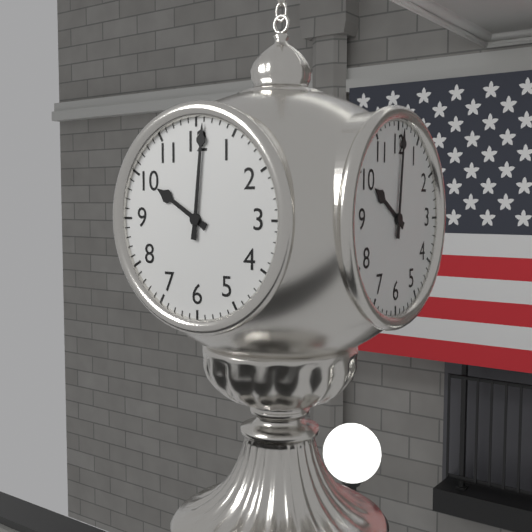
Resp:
**10:01**
